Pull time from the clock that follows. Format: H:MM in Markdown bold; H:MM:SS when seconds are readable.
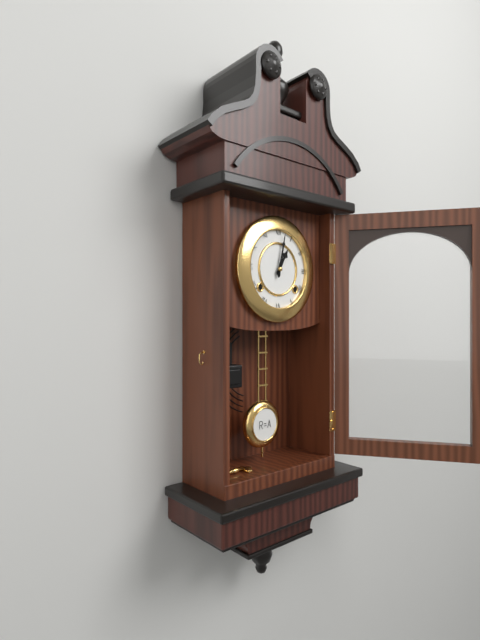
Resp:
**1:02**
